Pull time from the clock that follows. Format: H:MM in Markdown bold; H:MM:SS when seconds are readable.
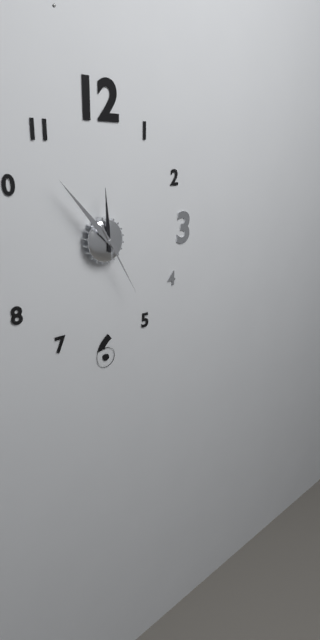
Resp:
**11:53:25**
